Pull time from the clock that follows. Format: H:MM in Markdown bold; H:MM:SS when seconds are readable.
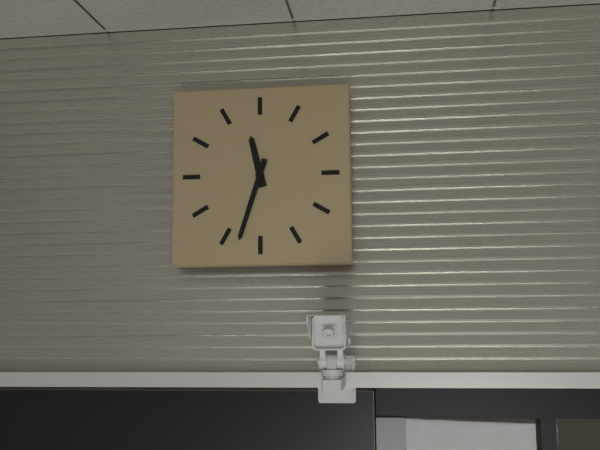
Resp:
**11:33**
